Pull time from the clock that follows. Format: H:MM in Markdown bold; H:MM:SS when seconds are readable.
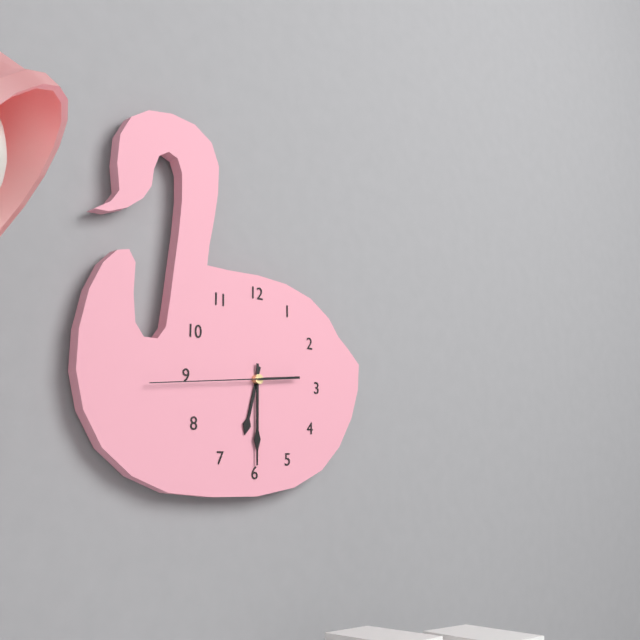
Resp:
**6:30:44**
